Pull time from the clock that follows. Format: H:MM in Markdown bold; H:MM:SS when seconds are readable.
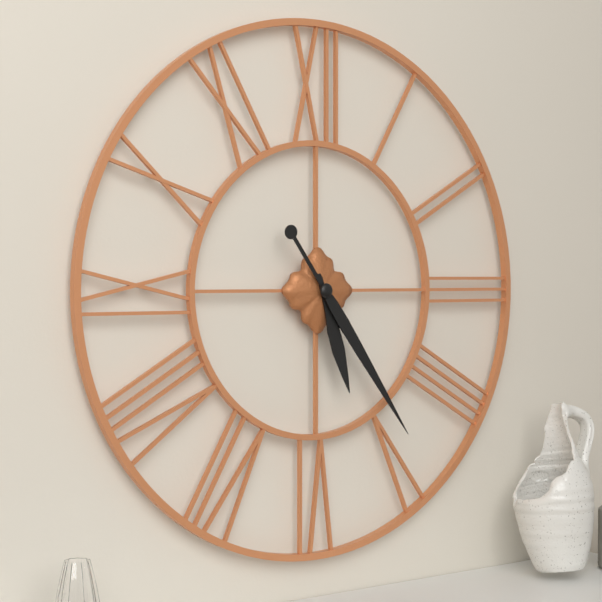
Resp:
**5:24**
